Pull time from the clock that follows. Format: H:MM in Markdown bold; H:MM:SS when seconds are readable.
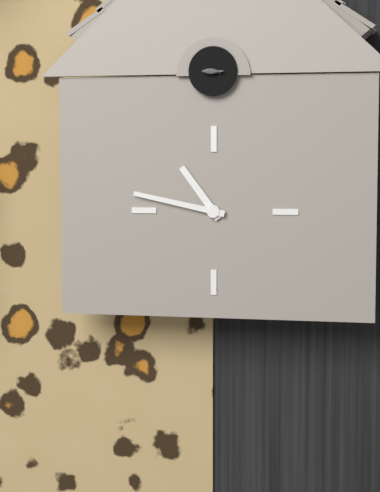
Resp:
**10:47**
